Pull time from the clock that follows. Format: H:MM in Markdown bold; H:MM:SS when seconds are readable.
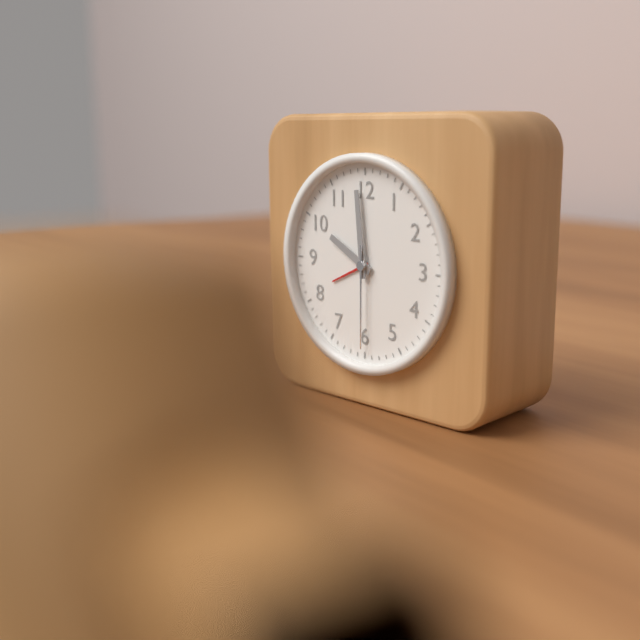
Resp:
**9:59:30**
